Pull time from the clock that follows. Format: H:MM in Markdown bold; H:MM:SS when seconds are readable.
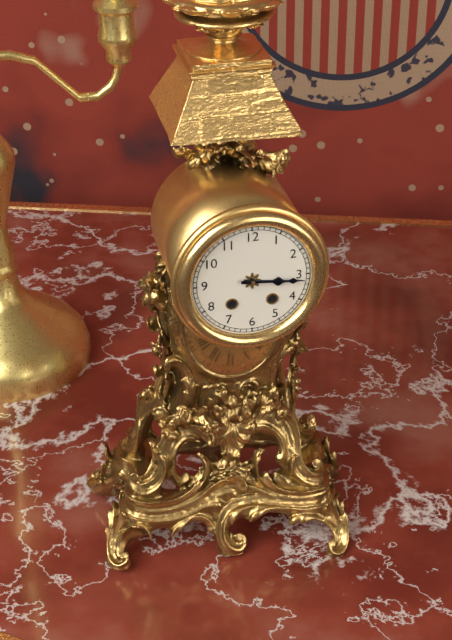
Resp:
**3:16**
